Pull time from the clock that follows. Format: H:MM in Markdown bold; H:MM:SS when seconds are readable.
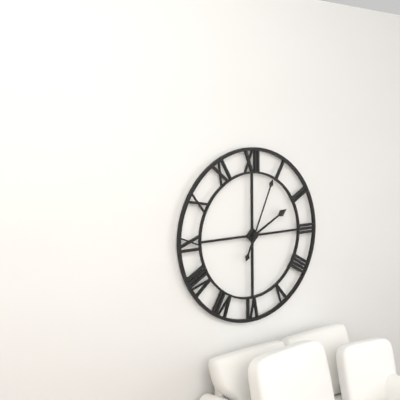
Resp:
**2:04**
